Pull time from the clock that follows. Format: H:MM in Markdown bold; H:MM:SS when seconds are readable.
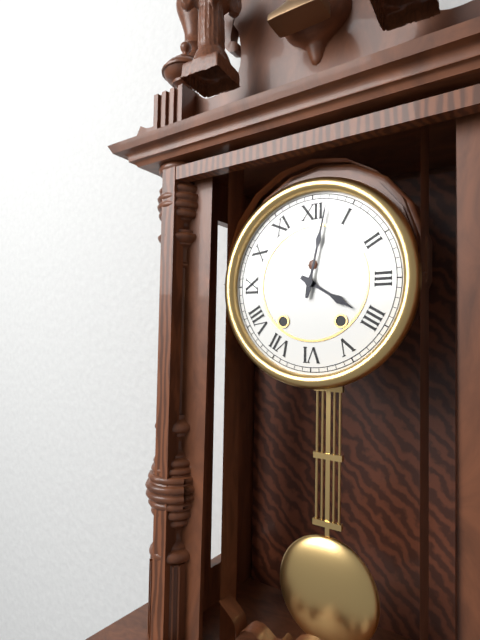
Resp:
**4:02**
